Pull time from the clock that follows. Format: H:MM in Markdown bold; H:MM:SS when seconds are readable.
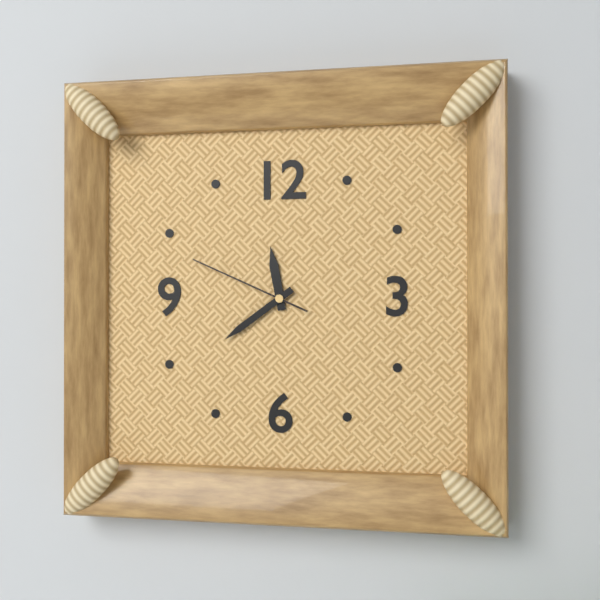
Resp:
**11:39:49**
